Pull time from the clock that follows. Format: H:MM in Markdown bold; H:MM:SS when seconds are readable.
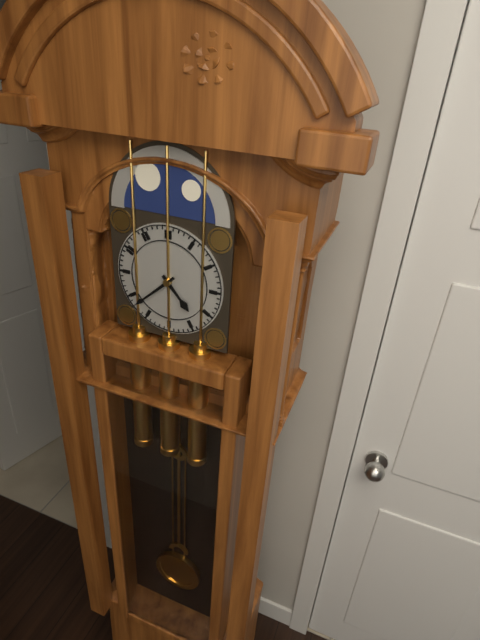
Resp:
**4:38**
